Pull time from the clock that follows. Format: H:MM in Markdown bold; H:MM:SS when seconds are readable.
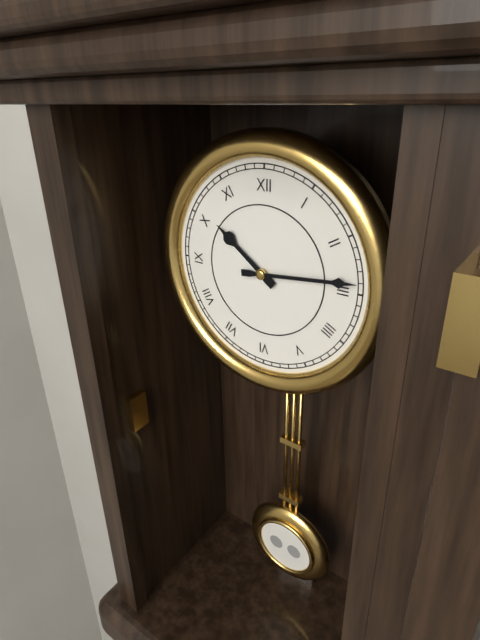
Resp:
**10:14**
